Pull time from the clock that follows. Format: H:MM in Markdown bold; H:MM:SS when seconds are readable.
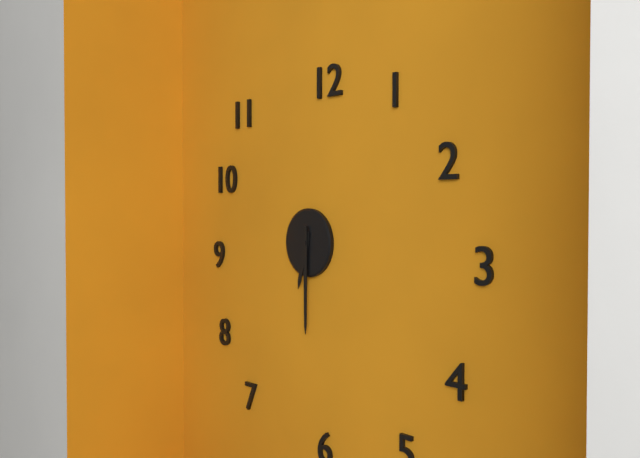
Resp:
**6:30**
